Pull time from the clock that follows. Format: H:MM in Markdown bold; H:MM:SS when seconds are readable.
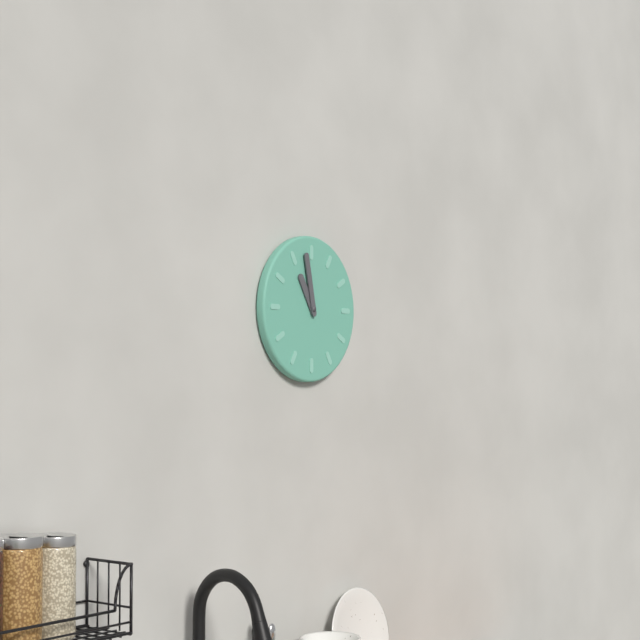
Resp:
**10:58**
